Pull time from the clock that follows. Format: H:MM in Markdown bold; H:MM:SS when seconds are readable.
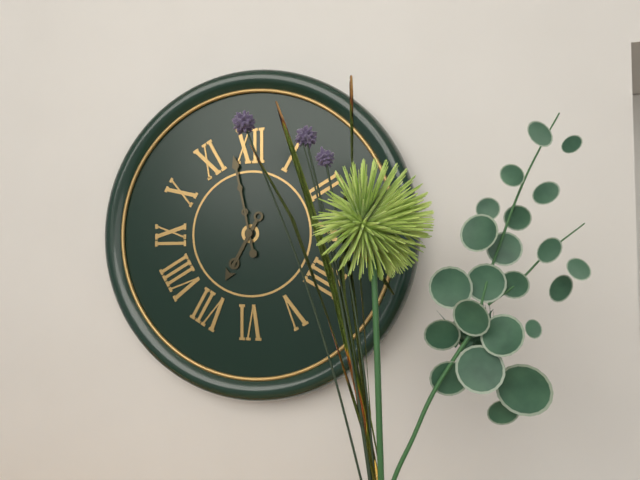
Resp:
**6:58**
